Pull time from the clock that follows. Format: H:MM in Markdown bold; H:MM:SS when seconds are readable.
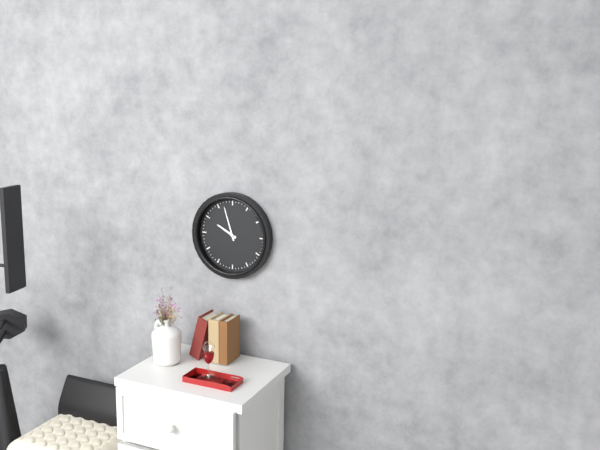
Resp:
**9:57**
